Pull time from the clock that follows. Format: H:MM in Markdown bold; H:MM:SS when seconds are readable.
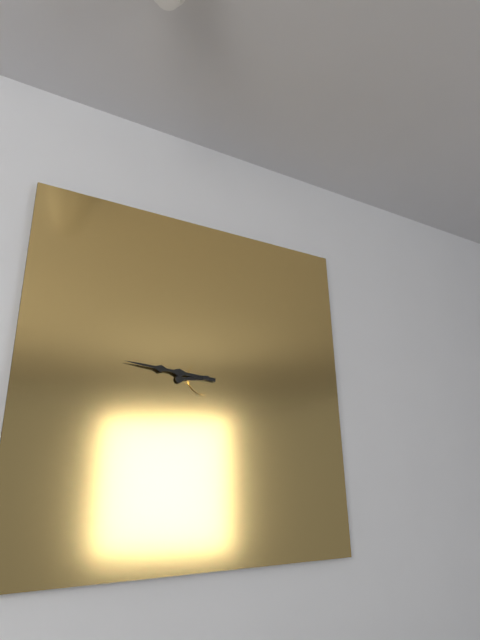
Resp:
**8:46**
